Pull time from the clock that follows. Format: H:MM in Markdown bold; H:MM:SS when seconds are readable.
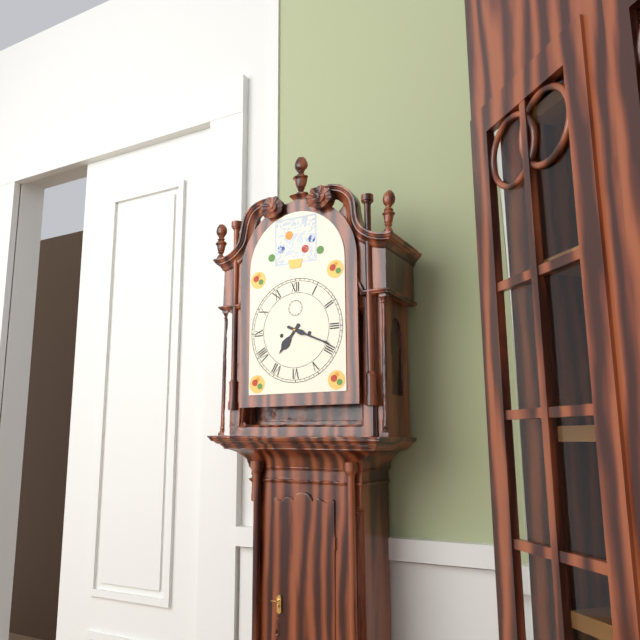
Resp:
**7:19**
